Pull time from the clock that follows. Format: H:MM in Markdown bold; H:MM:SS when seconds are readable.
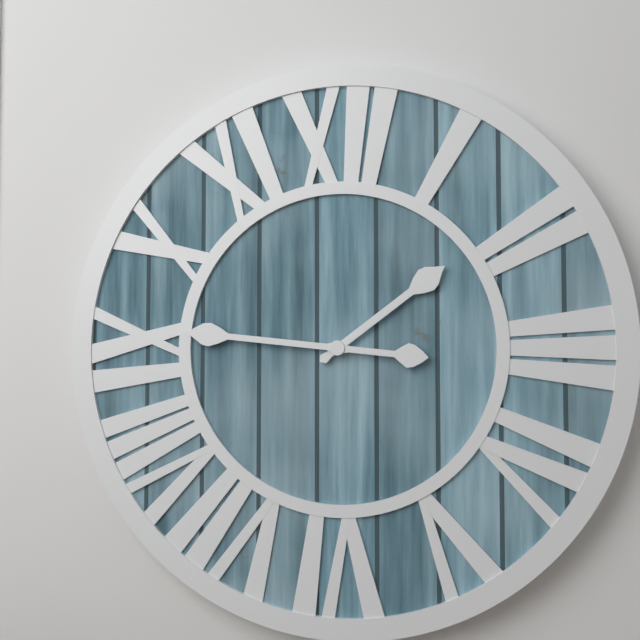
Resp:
**1:46**
